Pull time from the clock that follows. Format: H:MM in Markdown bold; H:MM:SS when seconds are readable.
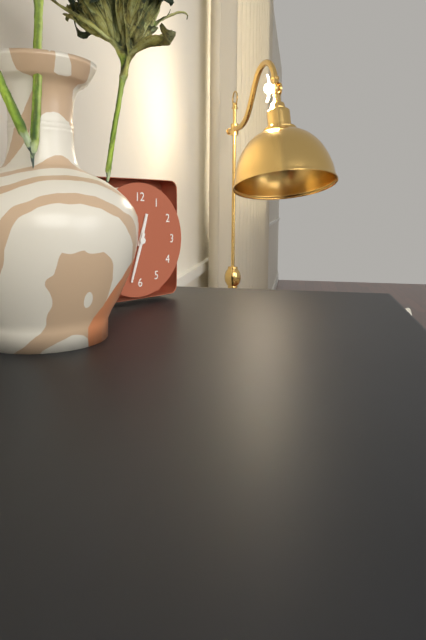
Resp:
**12:33**
